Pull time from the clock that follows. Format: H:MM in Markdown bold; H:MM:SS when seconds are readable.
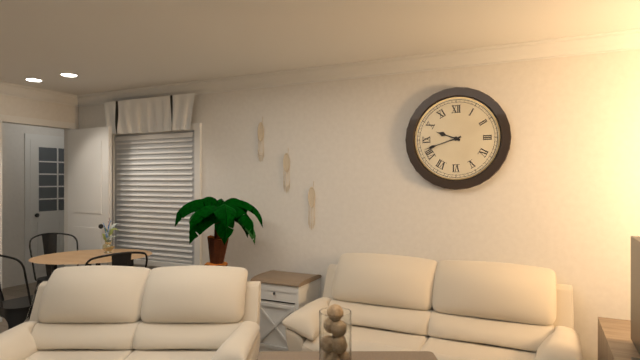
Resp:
**9:42**
